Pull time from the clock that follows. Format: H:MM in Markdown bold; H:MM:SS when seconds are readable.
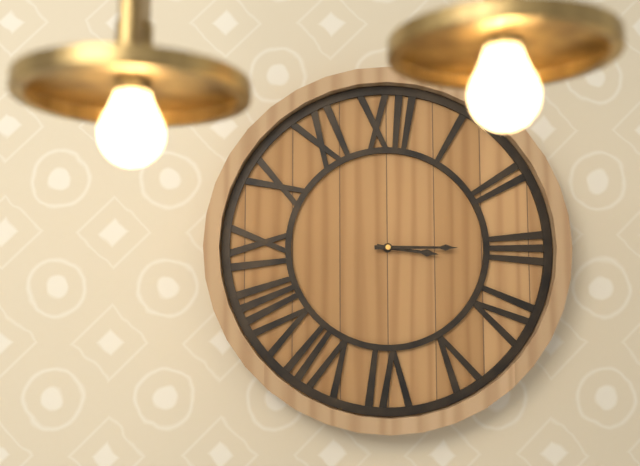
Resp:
**3:15**
